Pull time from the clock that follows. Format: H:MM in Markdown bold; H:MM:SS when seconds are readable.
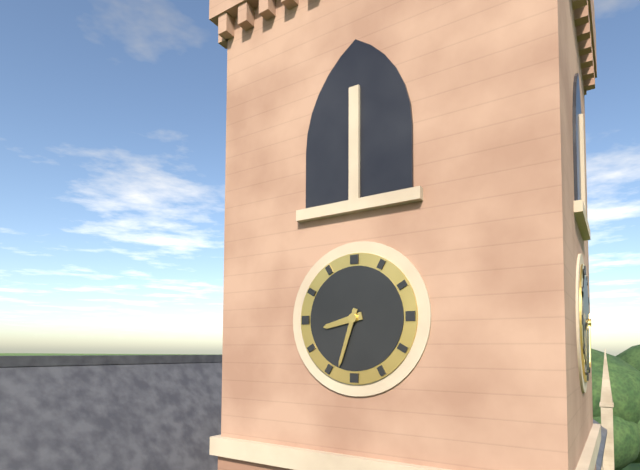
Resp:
**8:33**
